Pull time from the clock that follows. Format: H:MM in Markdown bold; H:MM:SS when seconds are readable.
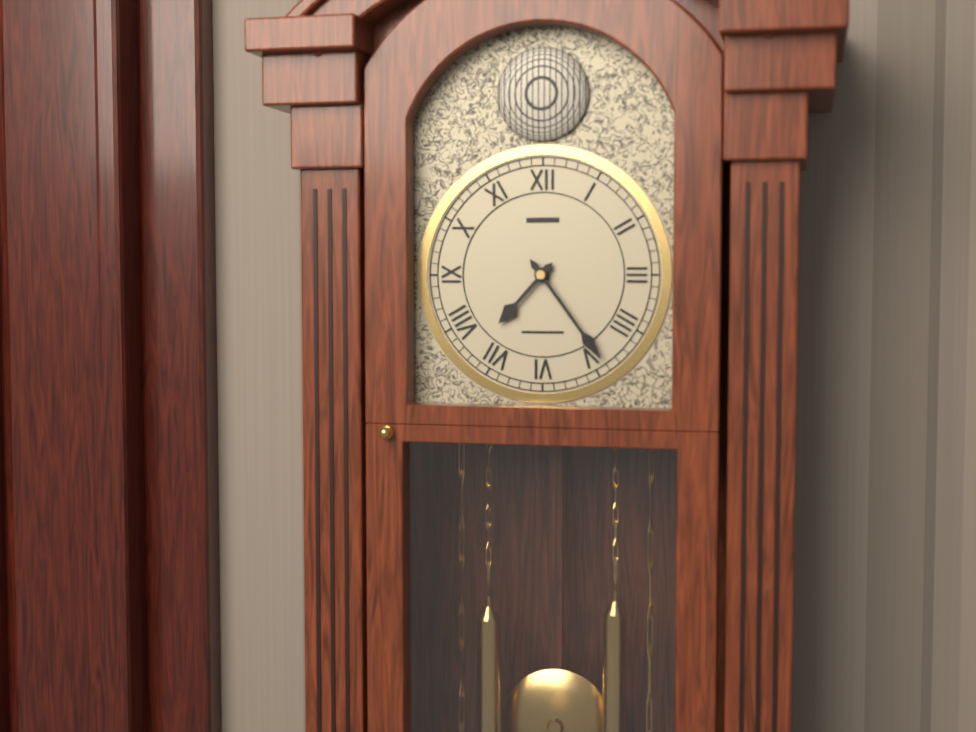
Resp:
**7:24**
